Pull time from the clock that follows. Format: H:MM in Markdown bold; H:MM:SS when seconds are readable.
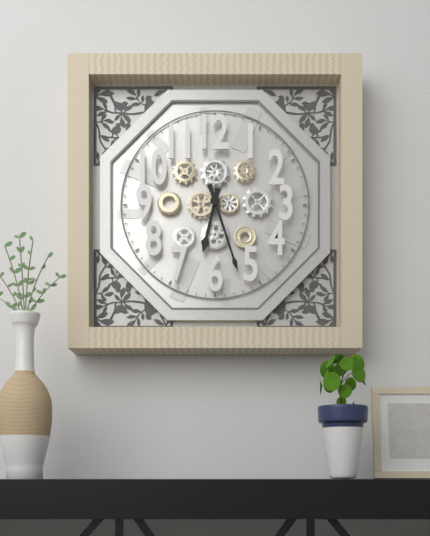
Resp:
**6:27**
